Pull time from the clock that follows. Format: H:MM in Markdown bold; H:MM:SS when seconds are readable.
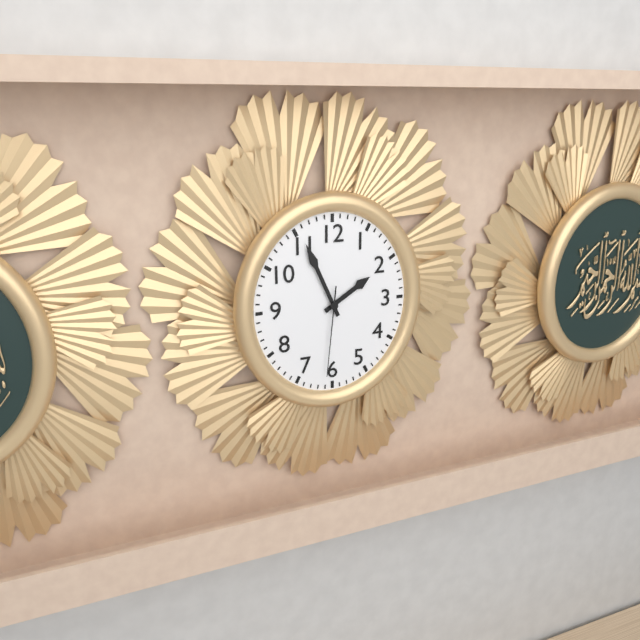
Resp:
**1:56:31**
